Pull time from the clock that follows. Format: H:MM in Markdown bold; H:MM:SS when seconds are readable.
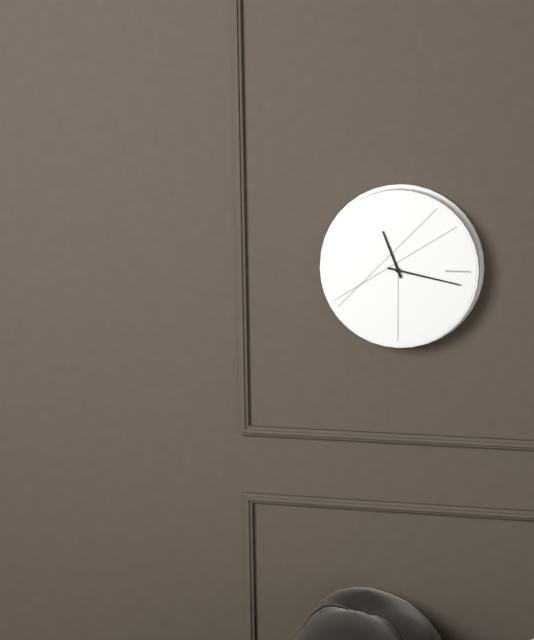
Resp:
**11:17**
